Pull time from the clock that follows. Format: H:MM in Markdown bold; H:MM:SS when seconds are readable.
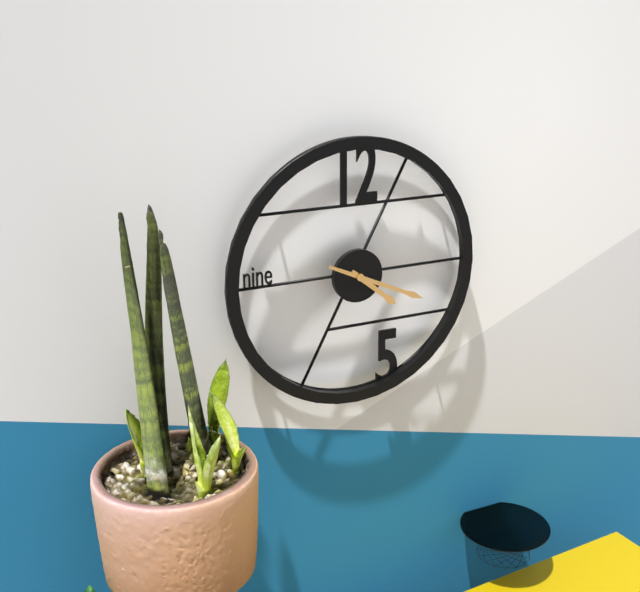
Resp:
**4:19**
